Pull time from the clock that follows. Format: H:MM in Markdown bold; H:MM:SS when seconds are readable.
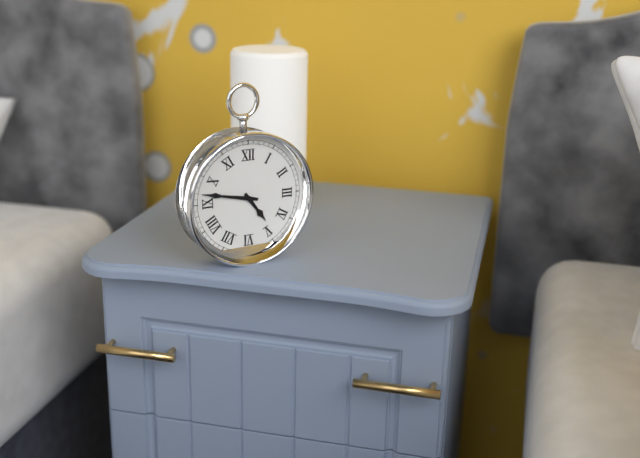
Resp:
**4:47**
